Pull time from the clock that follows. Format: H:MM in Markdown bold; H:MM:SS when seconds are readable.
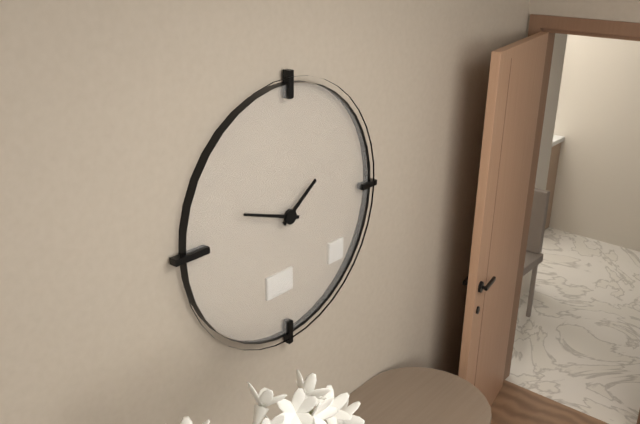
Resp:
**1:48**
